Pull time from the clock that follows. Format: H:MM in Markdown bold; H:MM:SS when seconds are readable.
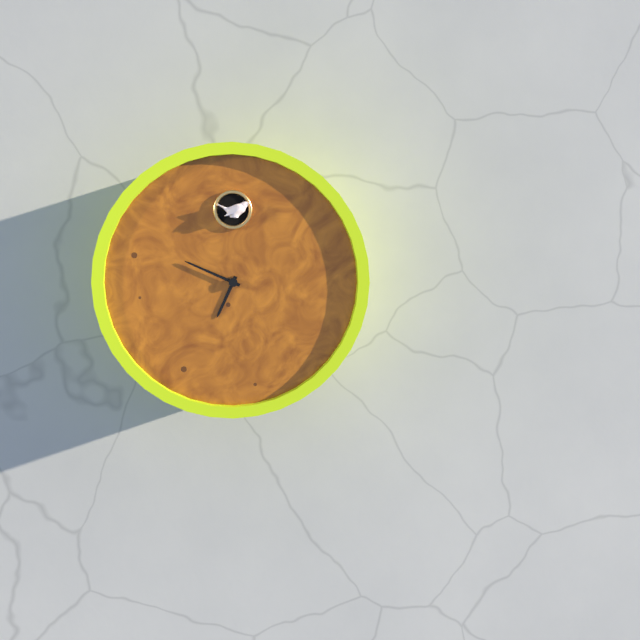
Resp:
**6:49**
